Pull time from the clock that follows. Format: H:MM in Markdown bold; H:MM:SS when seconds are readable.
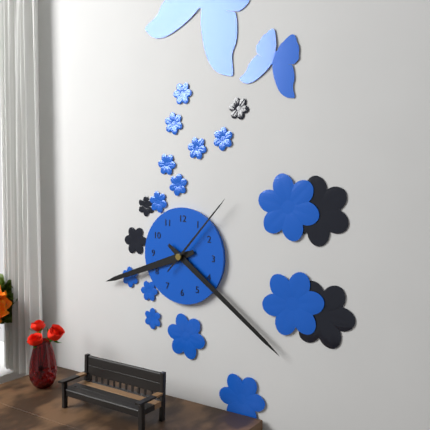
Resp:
**8:21:07**
